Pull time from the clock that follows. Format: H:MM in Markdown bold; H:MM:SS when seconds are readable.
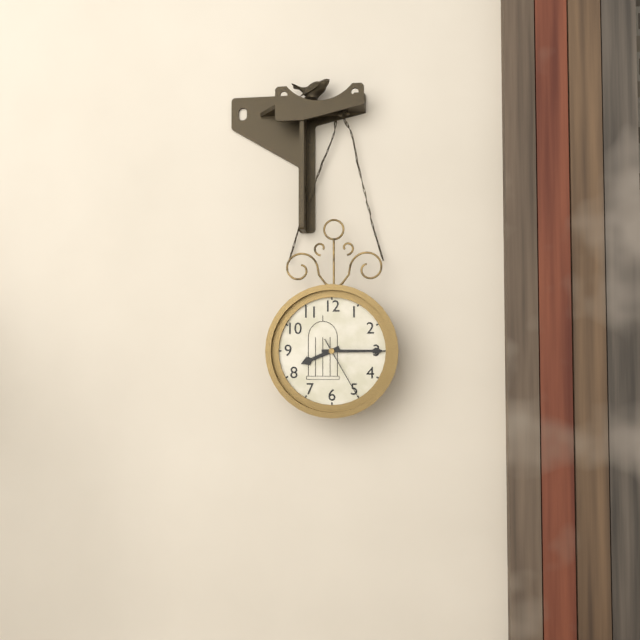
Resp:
**8:15:25**
